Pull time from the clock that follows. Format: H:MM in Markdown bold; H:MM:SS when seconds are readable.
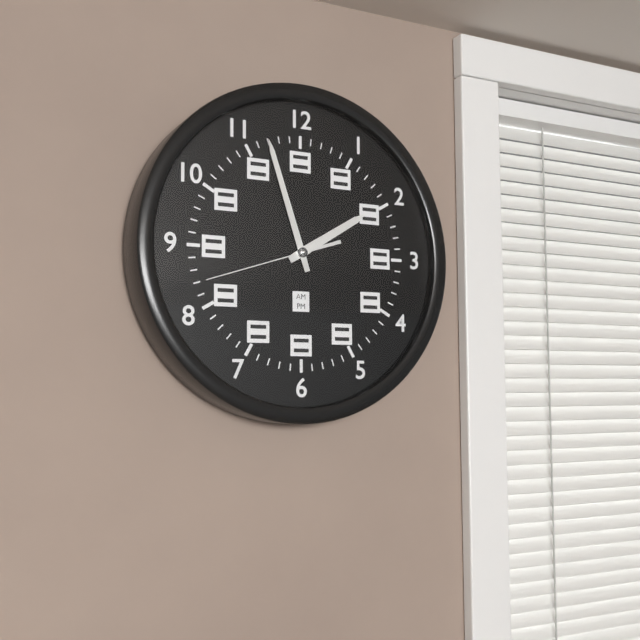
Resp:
**1:57:42**
